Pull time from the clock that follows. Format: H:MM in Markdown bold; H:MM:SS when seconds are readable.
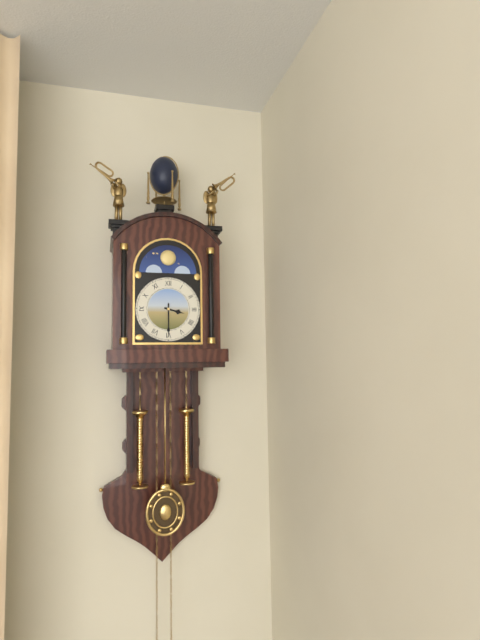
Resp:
**3:30**
